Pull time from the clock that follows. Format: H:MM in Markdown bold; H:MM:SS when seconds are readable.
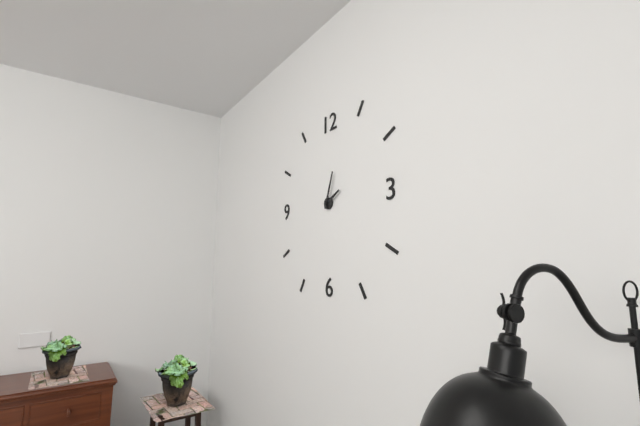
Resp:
**2:03**
